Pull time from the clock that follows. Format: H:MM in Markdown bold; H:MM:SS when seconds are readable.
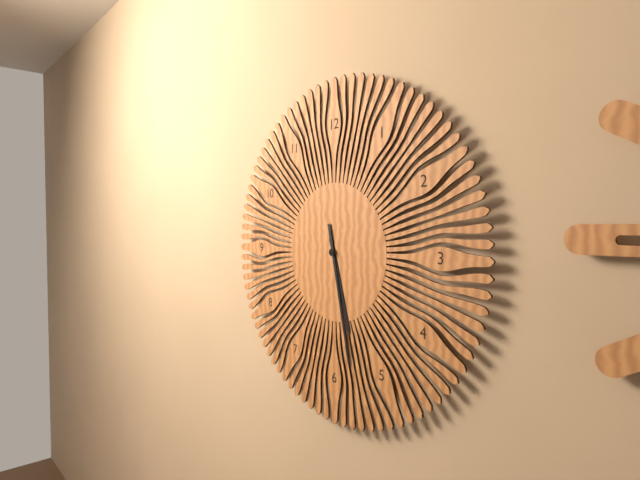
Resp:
**5:28**
